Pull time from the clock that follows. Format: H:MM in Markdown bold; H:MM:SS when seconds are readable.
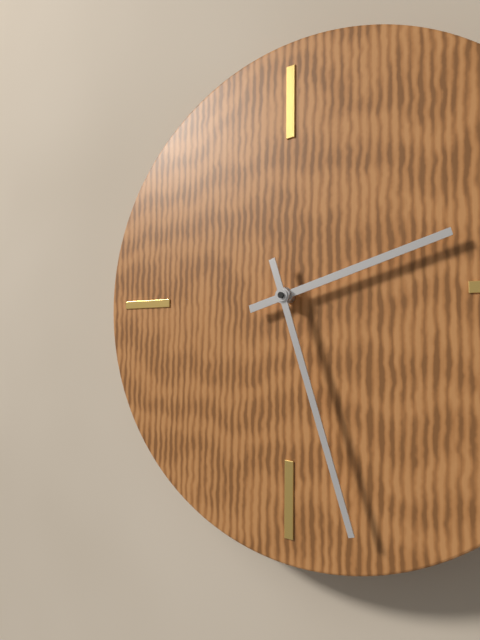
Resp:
**2:27**
